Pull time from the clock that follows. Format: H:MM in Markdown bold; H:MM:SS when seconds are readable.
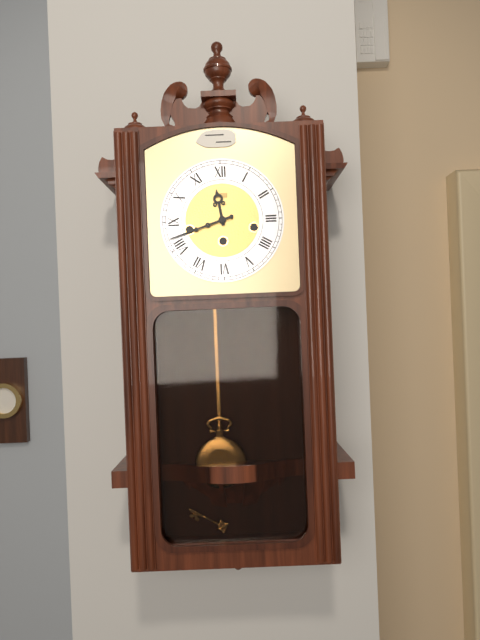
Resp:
**11:42**
